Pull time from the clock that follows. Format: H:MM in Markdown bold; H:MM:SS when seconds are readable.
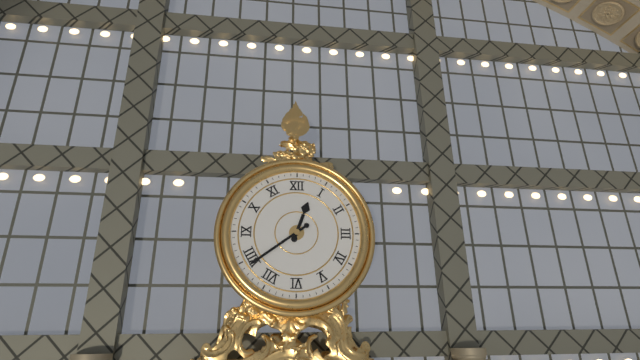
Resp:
**12:39**
